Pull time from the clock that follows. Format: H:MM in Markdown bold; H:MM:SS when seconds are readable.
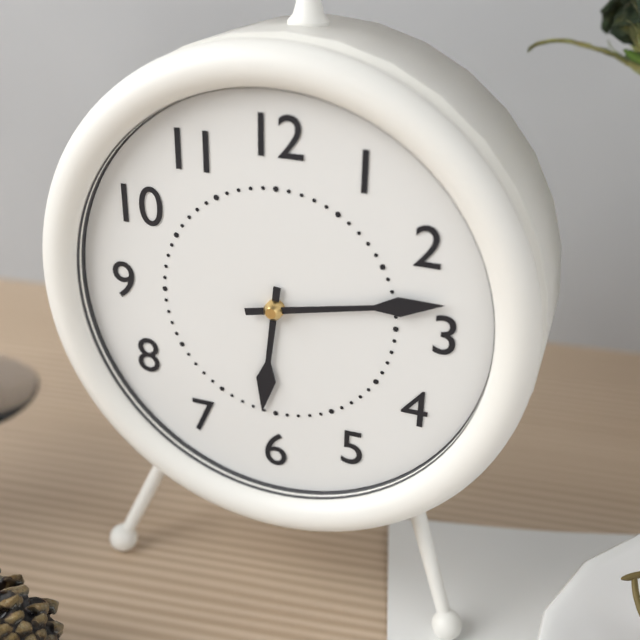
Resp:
**6:13**
